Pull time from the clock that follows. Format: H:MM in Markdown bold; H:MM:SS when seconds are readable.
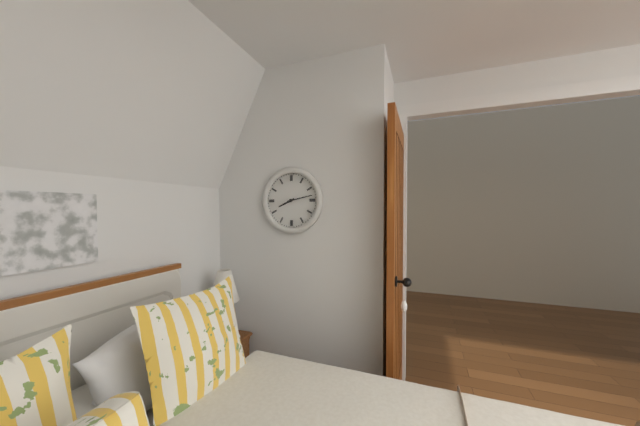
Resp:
**8:13**
